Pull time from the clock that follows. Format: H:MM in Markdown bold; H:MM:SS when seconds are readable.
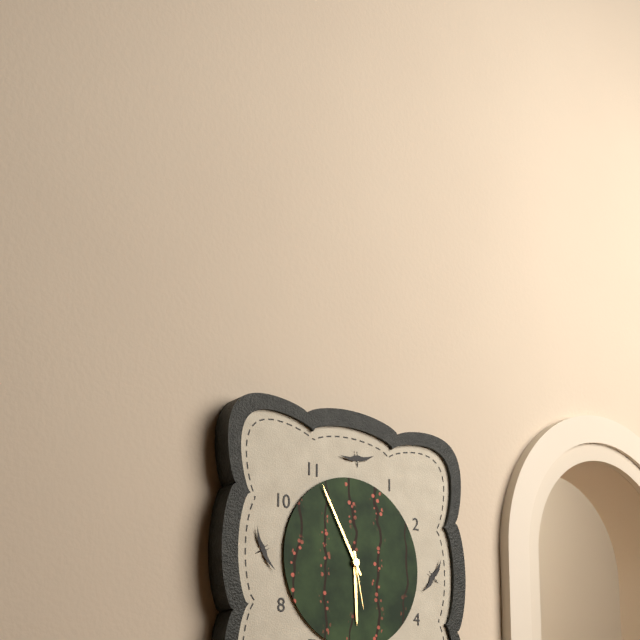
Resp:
**5:55:28**
